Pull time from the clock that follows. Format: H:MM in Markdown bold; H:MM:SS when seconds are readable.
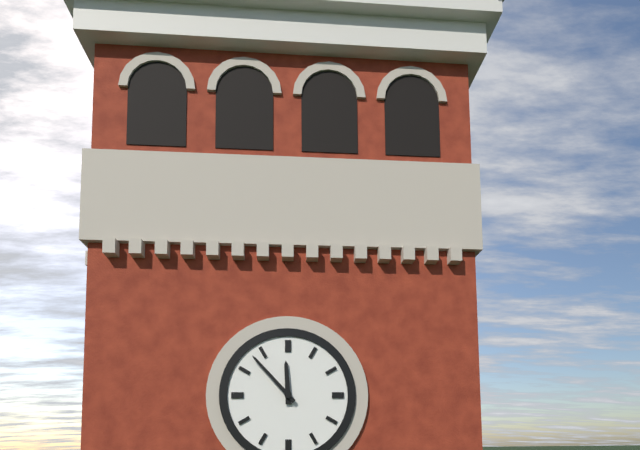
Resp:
**11:53**
